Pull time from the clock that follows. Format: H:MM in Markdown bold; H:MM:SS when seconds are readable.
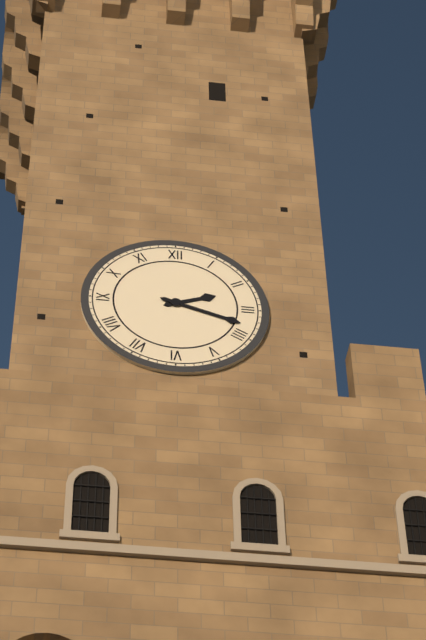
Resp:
**2:18**
